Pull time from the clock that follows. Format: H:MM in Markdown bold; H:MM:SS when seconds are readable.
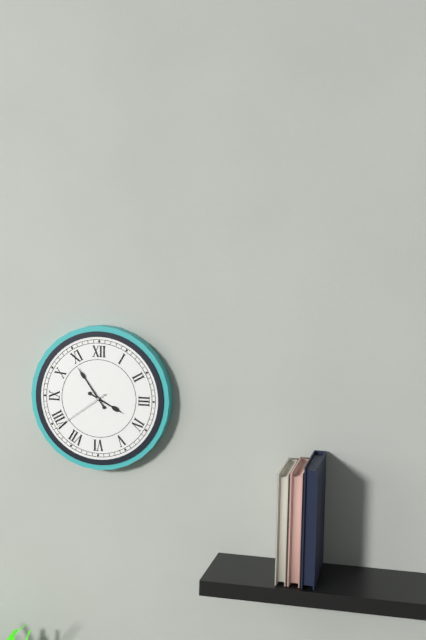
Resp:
**3:54:39**
